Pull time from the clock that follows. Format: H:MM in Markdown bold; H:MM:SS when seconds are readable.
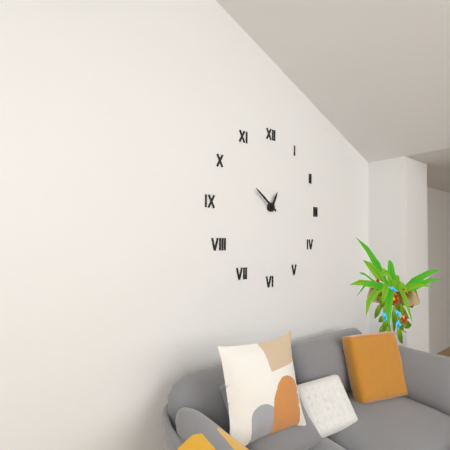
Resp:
**12:51**
